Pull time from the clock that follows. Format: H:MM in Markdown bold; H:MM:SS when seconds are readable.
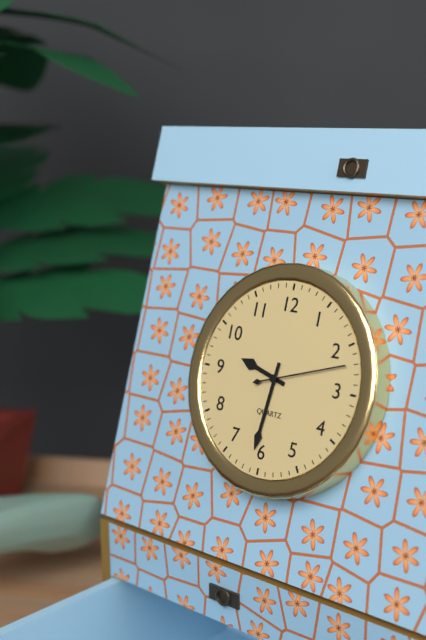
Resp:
**9:31:12**
